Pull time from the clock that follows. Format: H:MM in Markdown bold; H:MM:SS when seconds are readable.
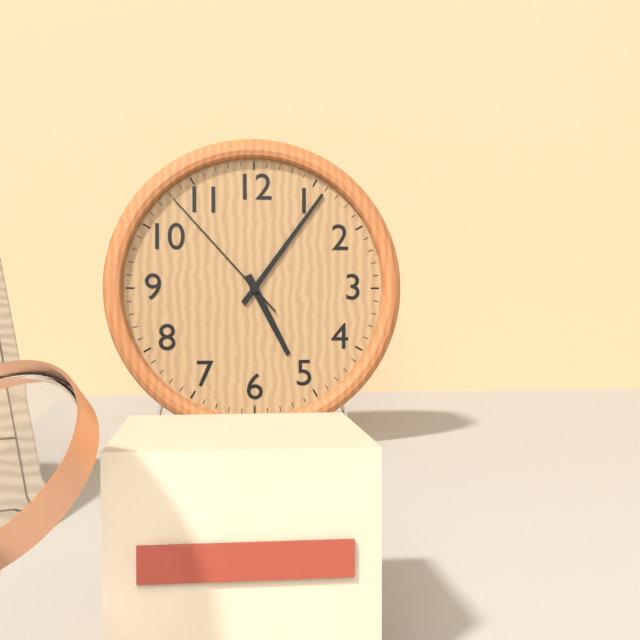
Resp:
**5:06:53**
